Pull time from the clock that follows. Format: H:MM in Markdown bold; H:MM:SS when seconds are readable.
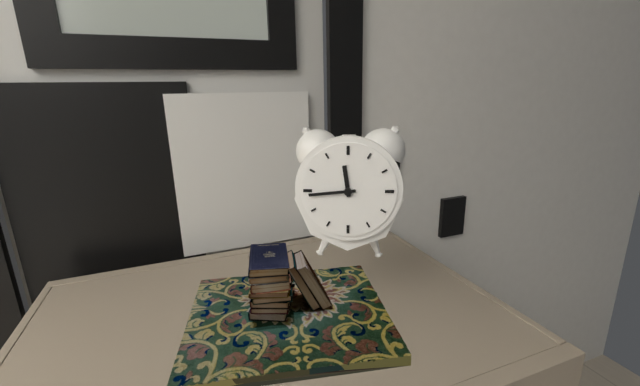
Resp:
**11:44**
